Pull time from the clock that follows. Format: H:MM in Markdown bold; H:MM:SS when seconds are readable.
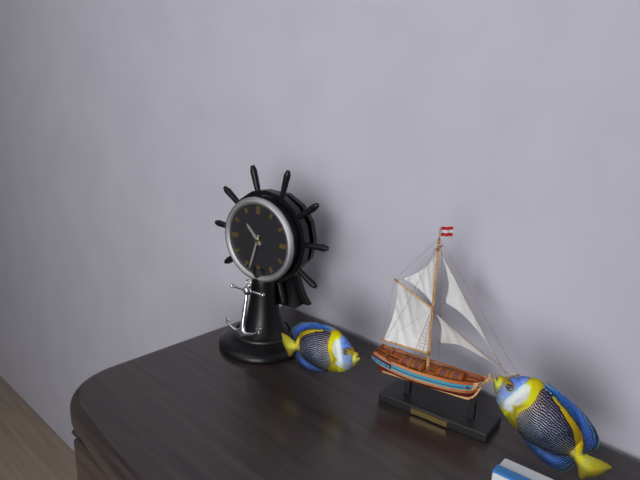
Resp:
**10:33**
